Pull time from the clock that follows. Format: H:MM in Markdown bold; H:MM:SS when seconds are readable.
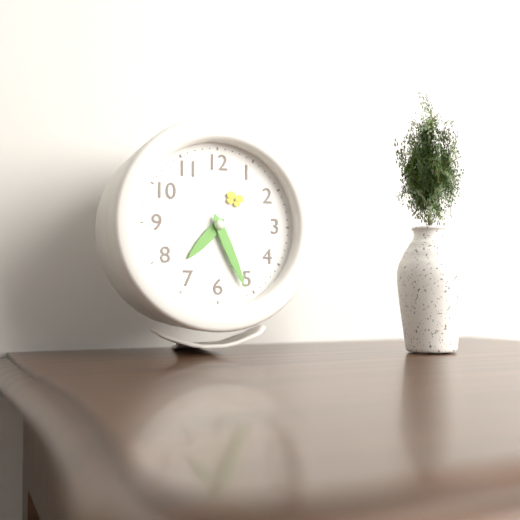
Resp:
**7:26**
